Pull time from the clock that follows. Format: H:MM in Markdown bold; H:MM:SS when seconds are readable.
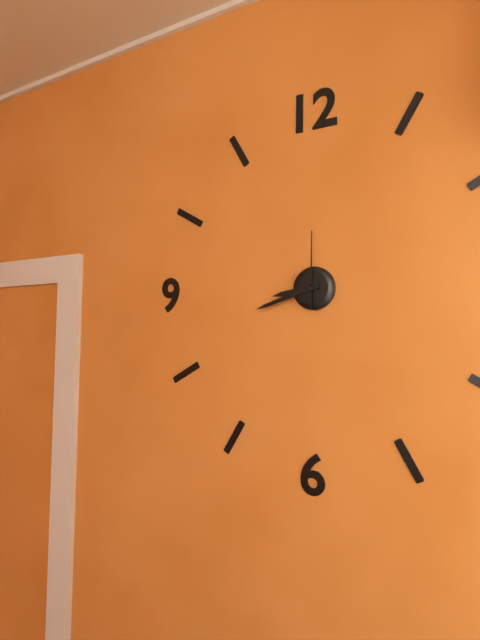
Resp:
**8:42:00**
